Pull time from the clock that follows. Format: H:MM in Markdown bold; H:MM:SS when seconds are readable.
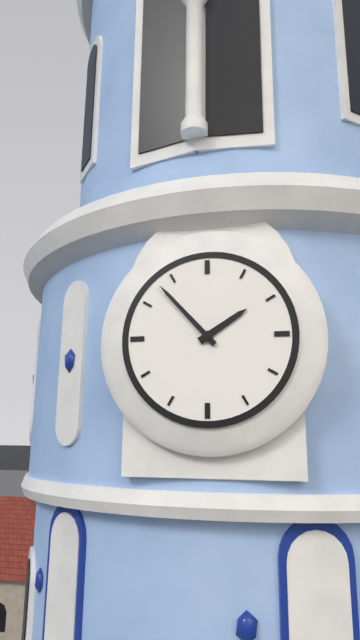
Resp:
**1:53**
